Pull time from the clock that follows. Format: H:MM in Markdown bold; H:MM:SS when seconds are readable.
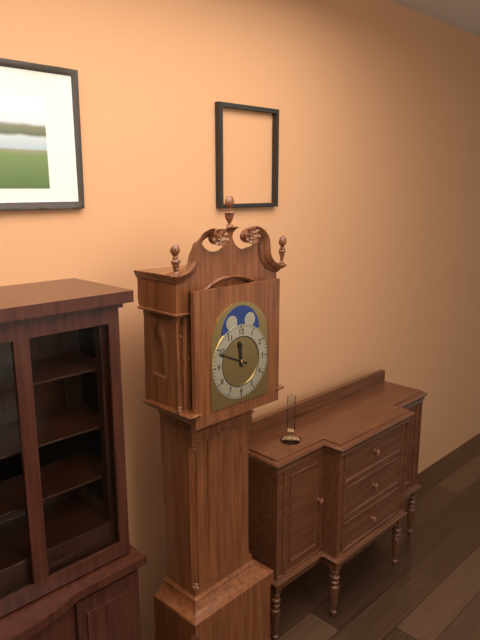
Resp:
**11:49**
